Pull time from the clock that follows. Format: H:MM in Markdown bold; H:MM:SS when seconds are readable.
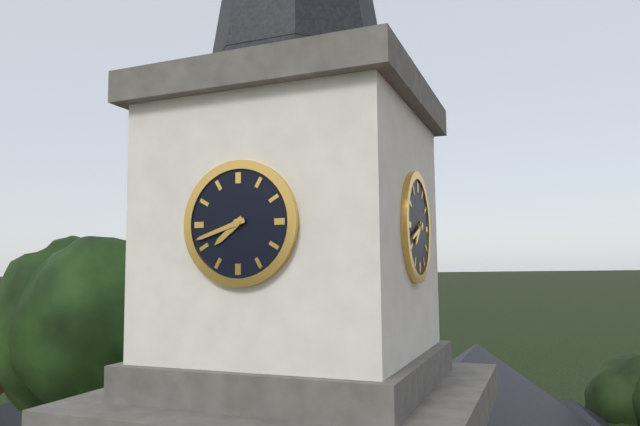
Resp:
**7:42**
